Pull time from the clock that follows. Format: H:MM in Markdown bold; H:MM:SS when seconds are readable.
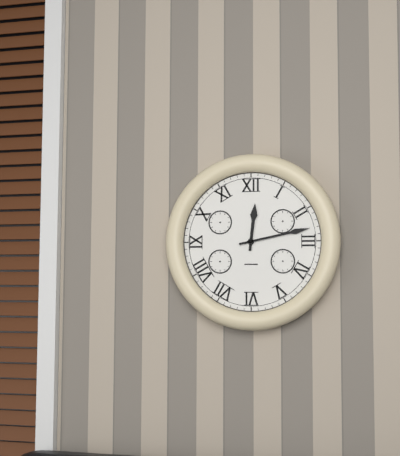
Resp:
**12:13**
